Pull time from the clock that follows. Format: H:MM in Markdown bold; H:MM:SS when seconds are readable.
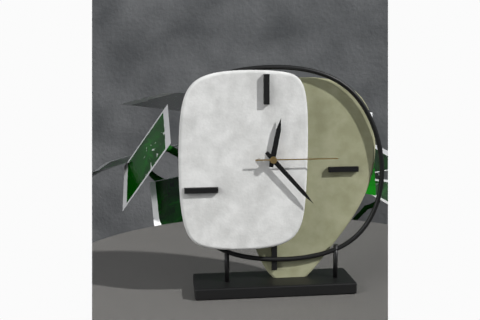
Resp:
**12:23:15**
